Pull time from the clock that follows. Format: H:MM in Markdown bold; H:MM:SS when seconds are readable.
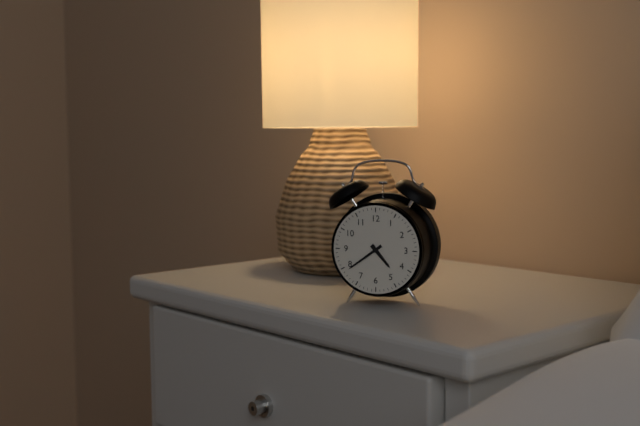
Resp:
**4:39**
